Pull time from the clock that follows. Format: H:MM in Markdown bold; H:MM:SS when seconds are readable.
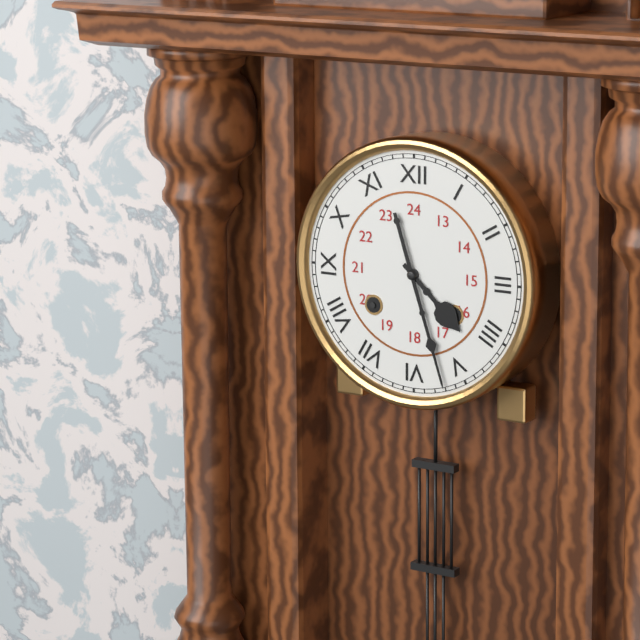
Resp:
**4:27**
